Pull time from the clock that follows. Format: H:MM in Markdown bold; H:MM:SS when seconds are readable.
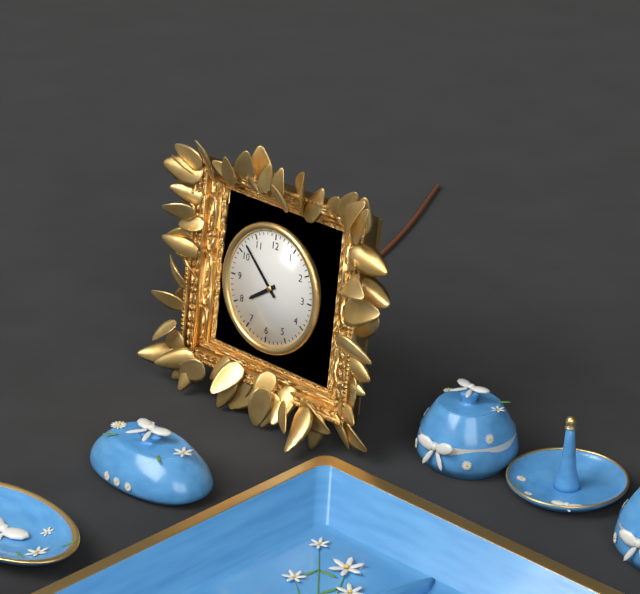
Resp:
**7:52**
